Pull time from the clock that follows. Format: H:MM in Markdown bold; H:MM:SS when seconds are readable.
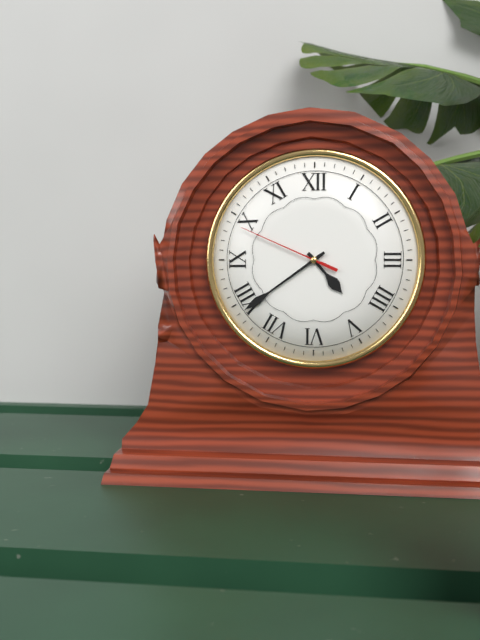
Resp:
**4:39:49**
